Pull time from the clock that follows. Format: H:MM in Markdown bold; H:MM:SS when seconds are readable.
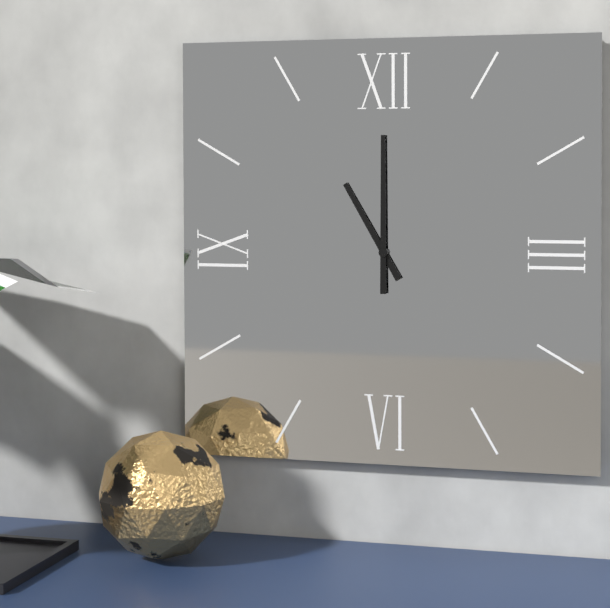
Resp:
**11:00**
